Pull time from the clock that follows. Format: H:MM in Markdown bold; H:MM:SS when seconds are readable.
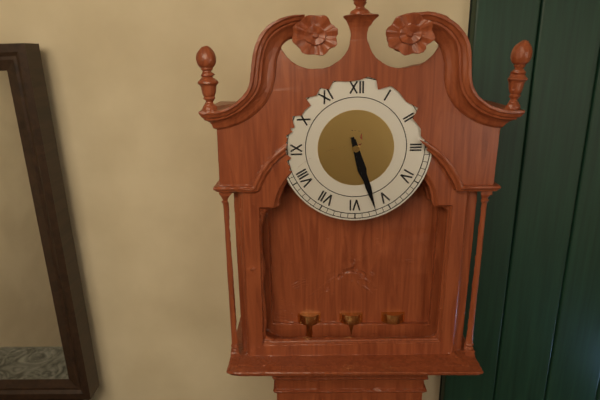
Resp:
**5:27**
